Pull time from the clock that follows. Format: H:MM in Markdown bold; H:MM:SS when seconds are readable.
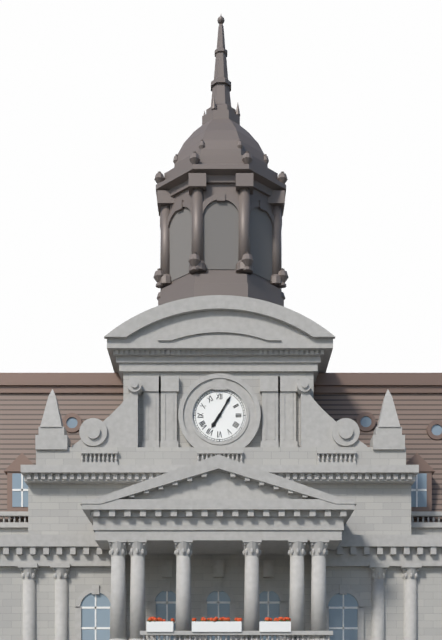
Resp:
**7:05**
